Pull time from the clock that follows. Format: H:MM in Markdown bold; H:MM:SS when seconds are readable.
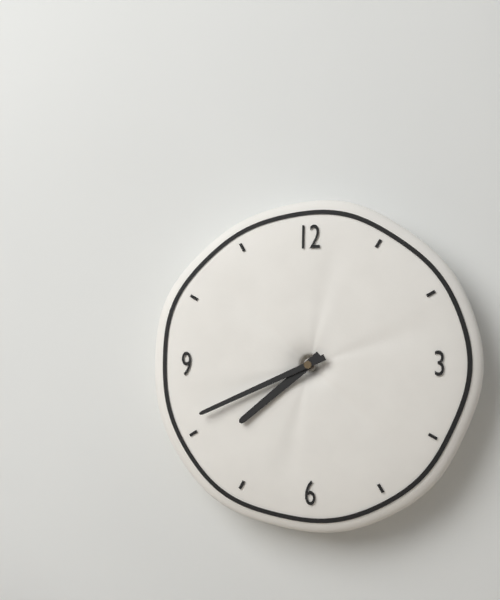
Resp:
**7:41**
